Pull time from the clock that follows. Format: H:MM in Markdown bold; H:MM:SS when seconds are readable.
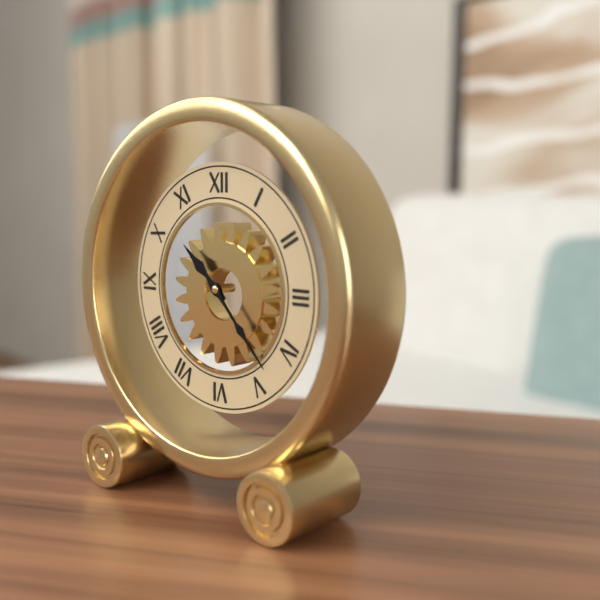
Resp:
**10:23**
